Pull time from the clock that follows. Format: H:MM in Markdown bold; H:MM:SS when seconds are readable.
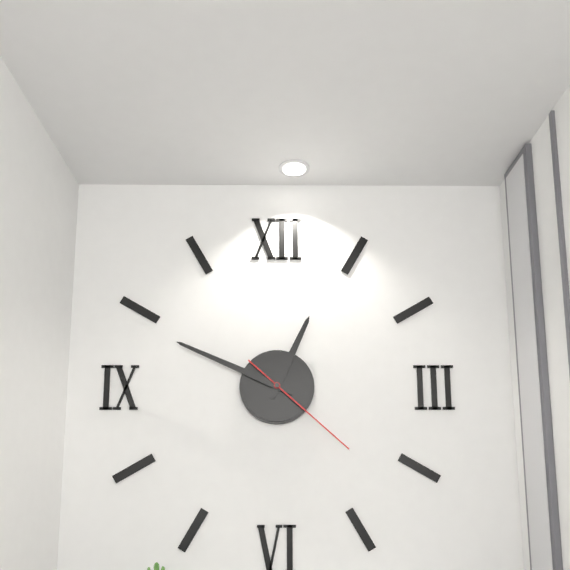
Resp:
**12:49:22**
